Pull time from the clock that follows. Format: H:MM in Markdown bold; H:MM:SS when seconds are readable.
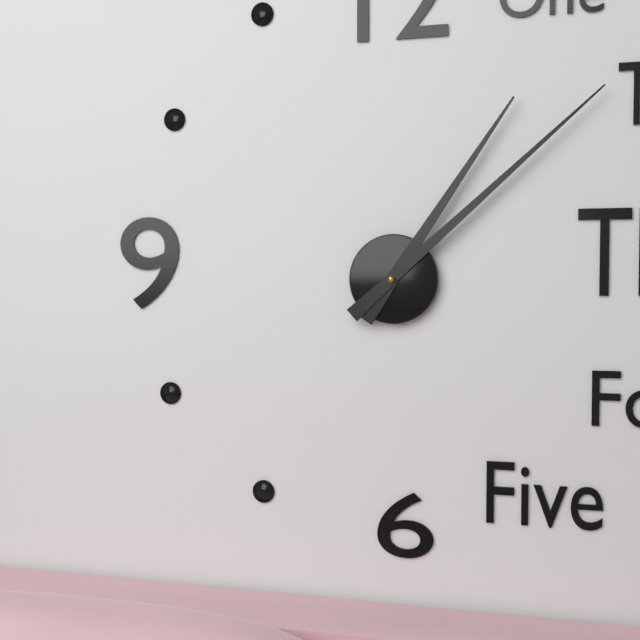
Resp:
**1:08**
